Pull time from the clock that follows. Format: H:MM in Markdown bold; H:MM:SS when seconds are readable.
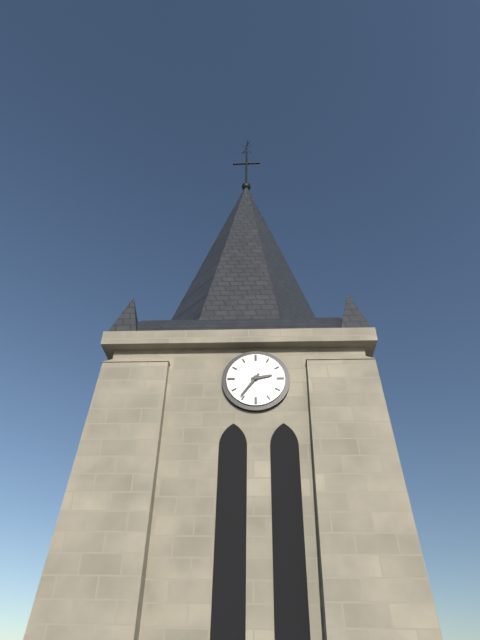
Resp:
**2:36**
